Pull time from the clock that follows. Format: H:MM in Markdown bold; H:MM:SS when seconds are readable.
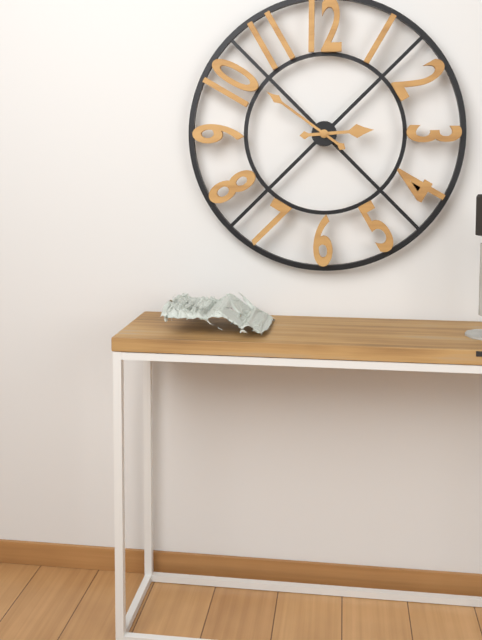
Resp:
**2:51**
